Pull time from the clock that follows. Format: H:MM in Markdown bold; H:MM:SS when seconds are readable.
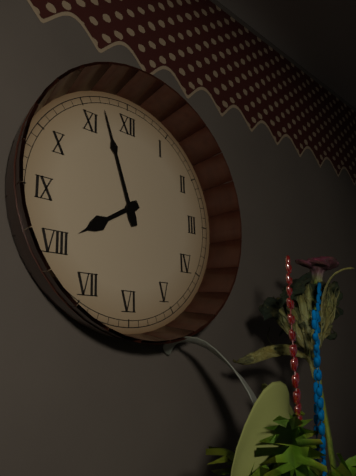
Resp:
**7:57**
